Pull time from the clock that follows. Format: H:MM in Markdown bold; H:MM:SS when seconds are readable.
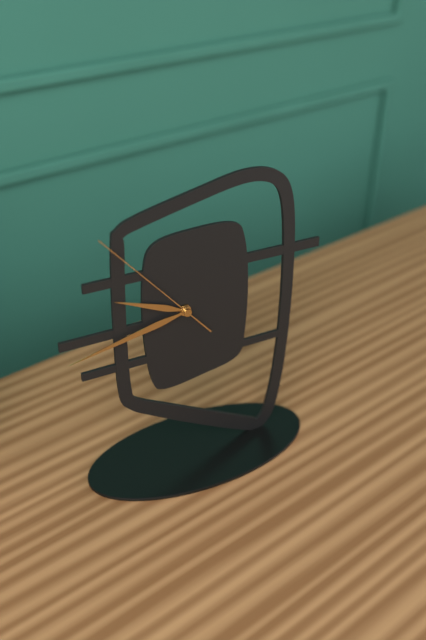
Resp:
**9:43:53**
